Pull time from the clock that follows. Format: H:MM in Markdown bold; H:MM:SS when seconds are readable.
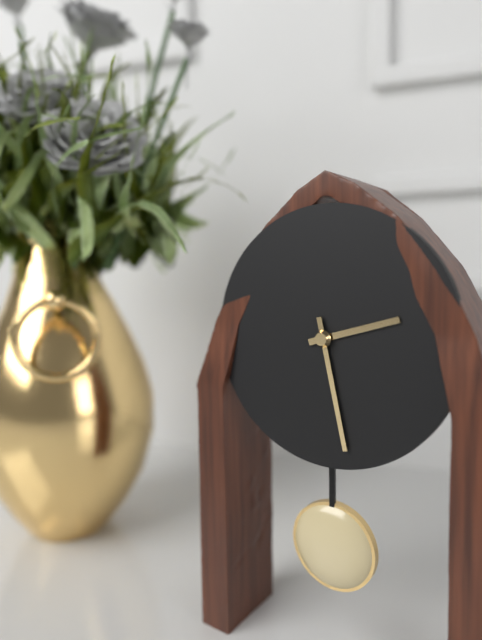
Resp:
**2:28**
